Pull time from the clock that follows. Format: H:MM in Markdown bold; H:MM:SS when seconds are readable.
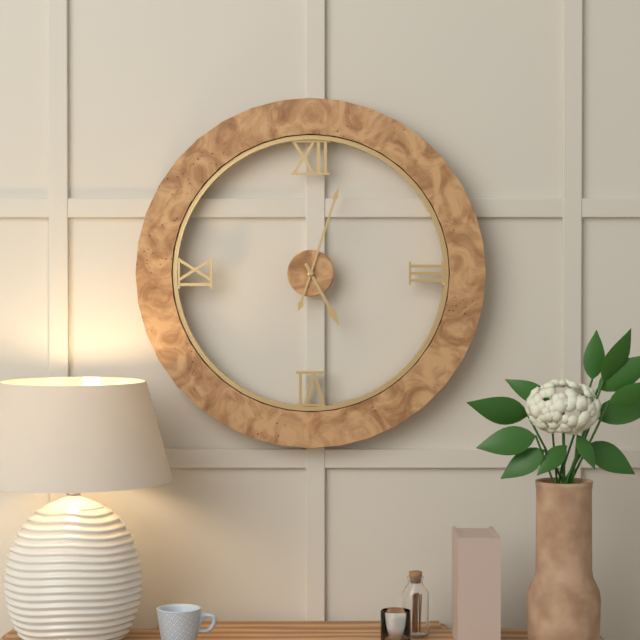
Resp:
**5:03**
